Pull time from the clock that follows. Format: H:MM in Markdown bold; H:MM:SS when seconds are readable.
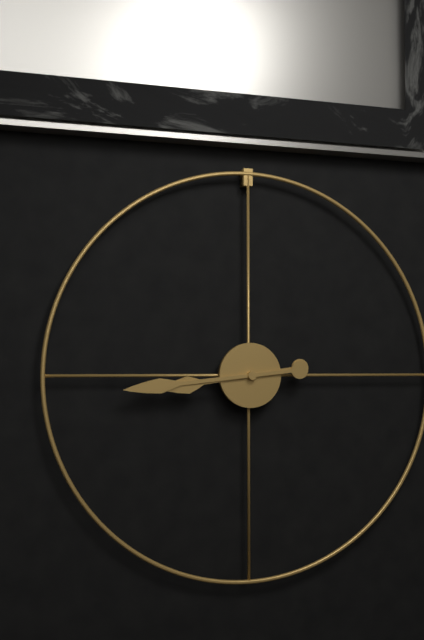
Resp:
**8:44**
